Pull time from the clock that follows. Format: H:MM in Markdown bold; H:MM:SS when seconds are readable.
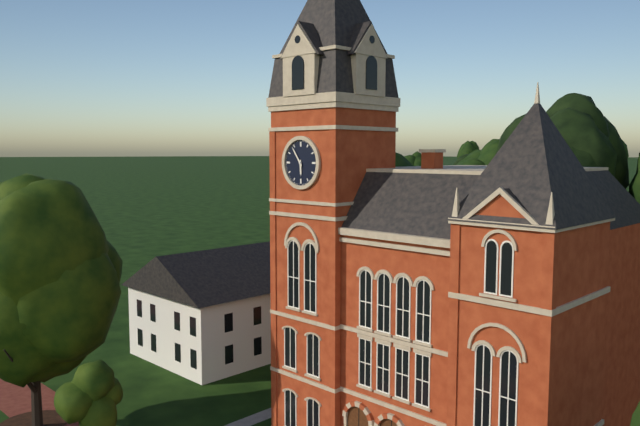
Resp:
**5:54**
